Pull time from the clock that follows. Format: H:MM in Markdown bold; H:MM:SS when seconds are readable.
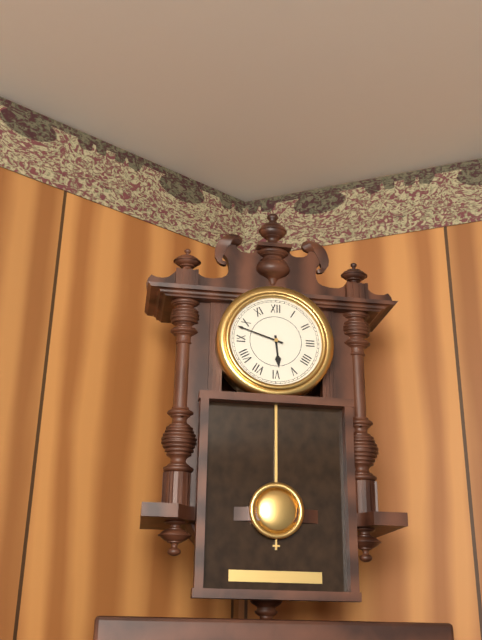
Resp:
**5:48**
